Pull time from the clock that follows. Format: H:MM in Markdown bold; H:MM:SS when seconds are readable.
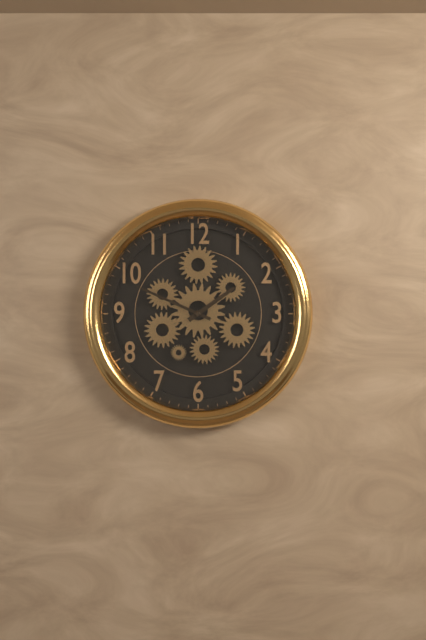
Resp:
**1:49**
